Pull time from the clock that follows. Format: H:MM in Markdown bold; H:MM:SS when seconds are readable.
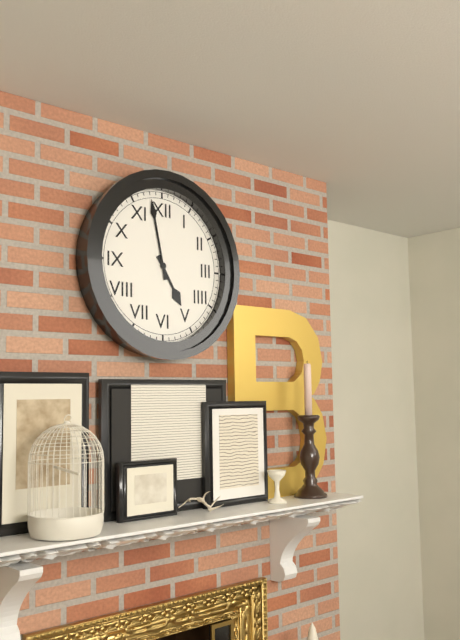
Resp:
**4:58**
